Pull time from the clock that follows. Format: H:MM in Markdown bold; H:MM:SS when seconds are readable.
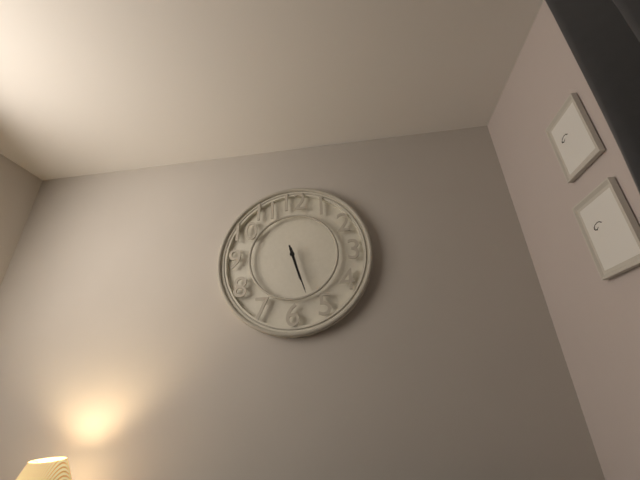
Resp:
**5:27**
